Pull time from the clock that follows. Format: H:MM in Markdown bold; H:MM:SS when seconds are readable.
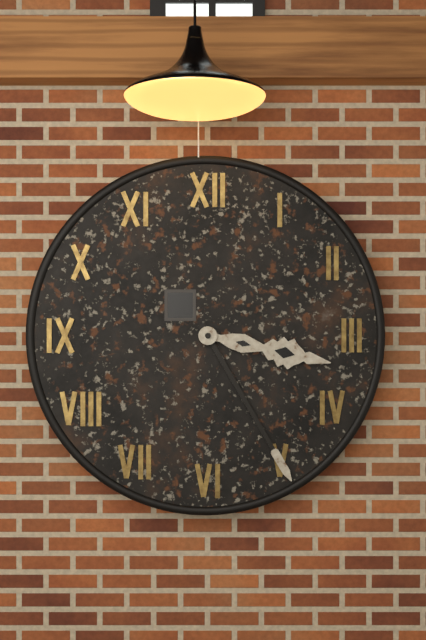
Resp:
**3:25**
